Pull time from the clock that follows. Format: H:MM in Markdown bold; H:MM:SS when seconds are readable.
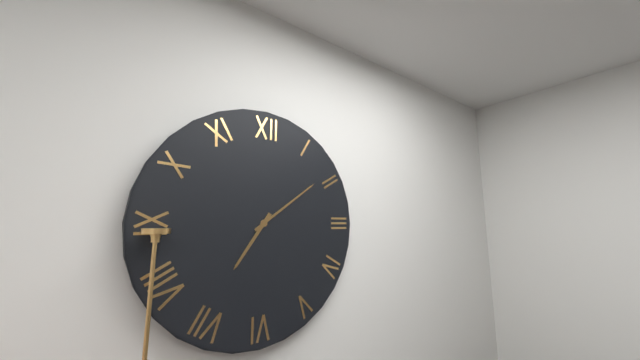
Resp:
**7:09**
